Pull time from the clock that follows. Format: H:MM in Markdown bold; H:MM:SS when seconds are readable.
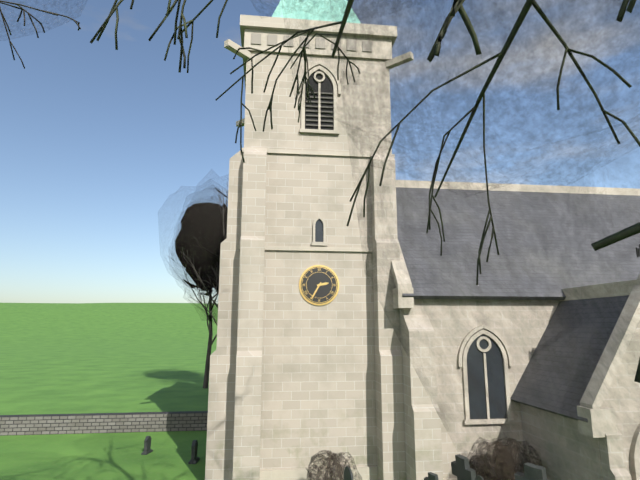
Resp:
**2:35**
